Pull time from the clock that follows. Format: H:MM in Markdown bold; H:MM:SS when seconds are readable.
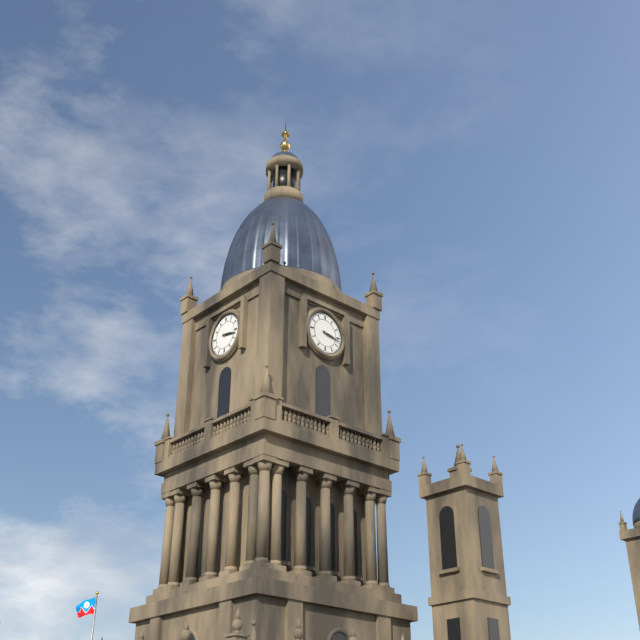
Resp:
**3:17**
